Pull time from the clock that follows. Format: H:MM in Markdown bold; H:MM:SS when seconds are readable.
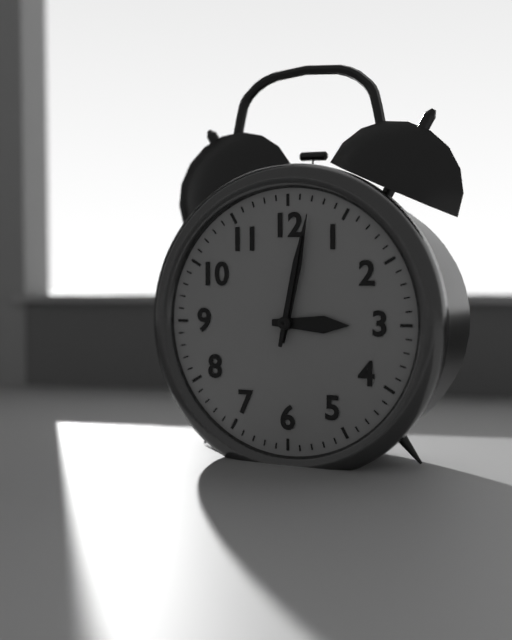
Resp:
**3:02:02**
